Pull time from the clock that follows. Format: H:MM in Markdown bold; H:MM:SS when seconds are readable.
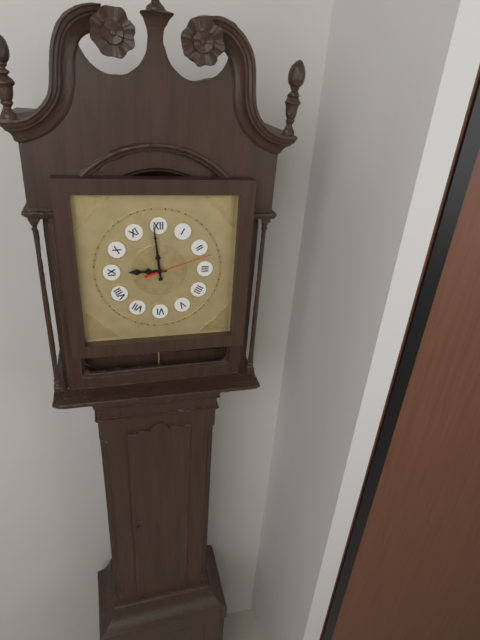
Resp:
**8:59:12**
